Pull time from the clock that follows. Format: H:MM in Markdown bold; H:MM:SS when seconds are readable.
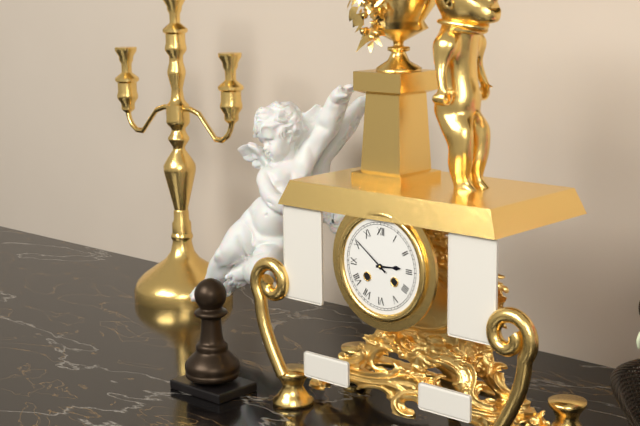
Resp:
**2:51**
